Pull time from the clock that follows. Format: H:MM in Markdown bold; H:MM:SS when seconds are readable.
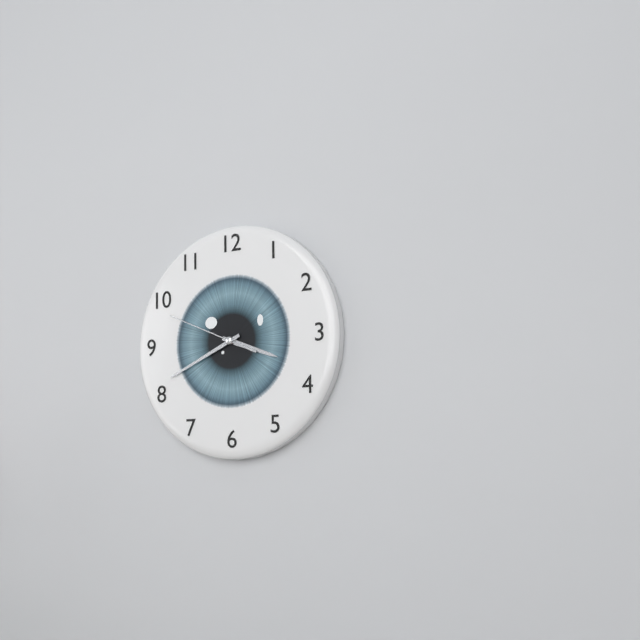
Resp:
**3:41:49**
